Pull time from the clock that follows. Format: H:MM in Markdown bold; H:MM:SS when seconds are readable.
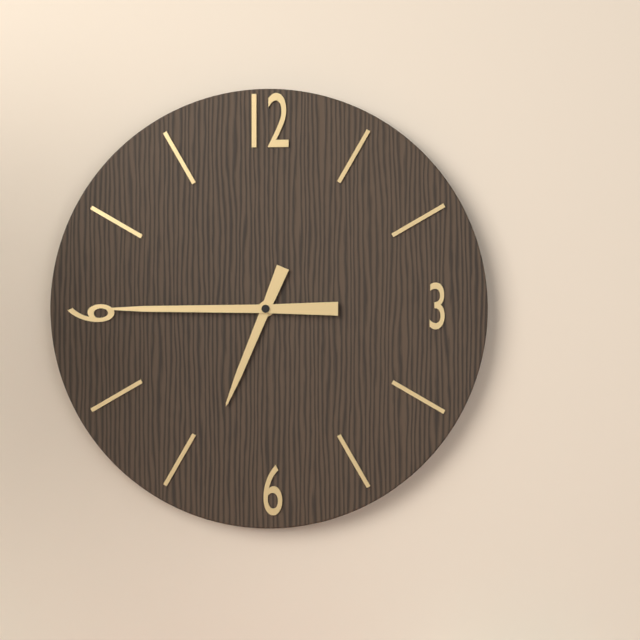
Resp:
**6:45**
